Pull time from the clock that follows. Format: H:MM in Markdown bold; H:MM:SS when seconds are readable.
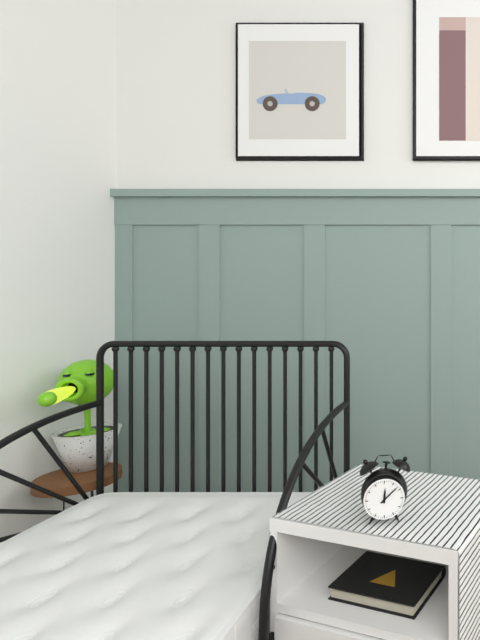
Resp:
**12:08**
